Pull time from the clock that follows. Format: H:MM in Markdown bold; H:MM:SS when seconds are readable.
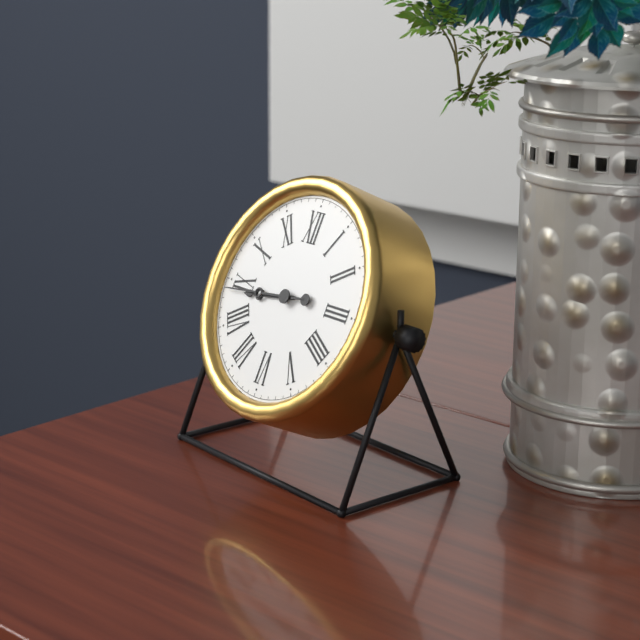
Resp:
**8:44**
